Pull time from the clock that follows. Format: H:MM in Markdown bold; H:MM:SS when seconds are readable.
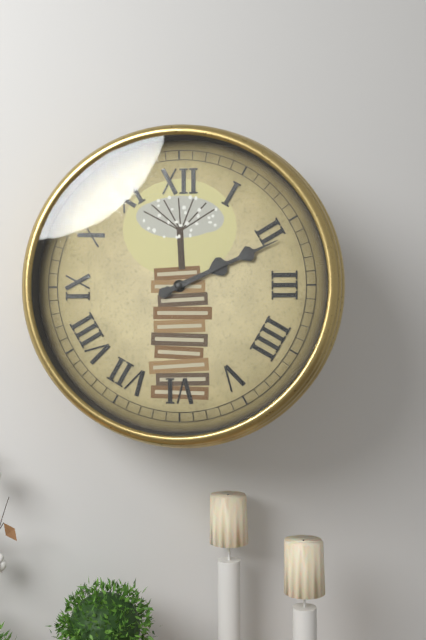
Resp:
**2:11**
